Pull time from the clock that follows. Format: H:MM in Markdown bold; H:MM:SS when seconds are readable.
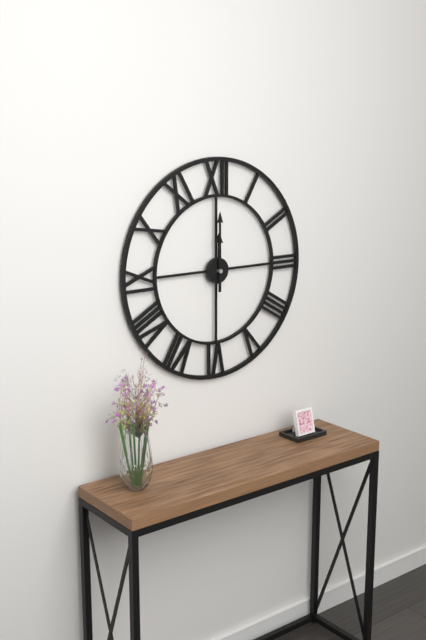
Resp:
**12:00**
